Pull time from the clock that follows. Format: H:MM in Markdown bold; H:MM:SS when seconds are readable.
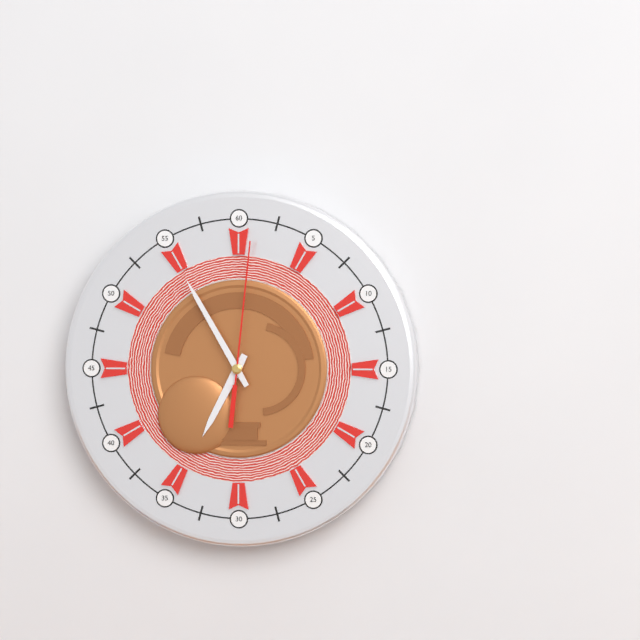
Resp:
**6:55:01**
